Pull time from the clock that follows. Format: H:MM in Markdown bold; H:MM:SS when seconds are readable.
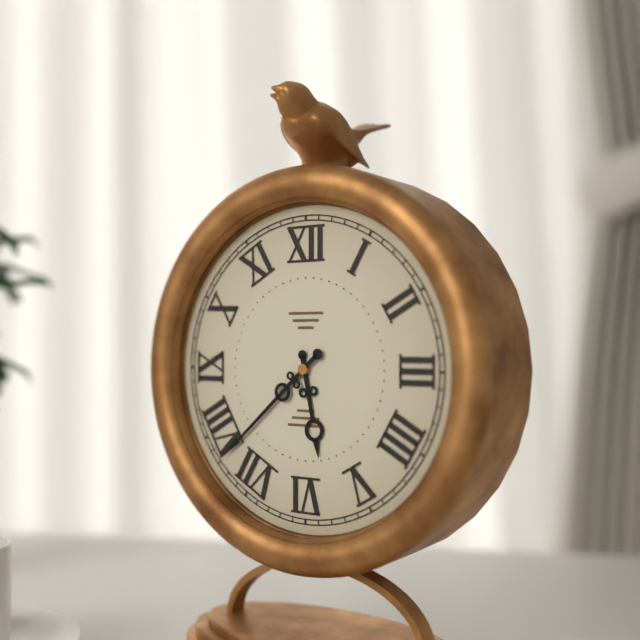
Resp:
**5:38**
